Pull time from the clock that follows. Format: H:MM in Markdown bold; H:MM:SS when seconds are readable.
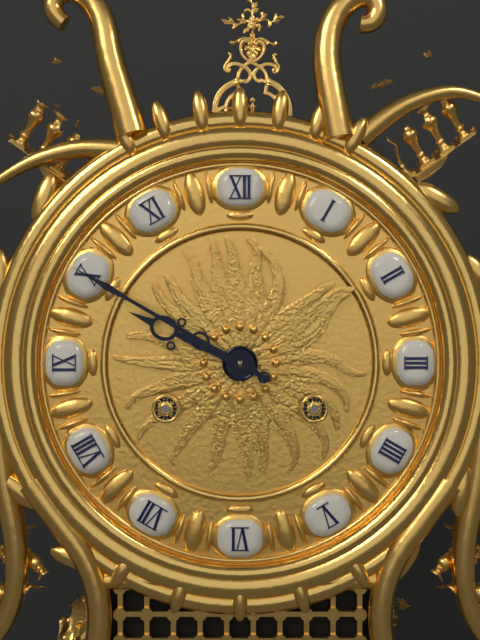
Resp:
**9:50**
